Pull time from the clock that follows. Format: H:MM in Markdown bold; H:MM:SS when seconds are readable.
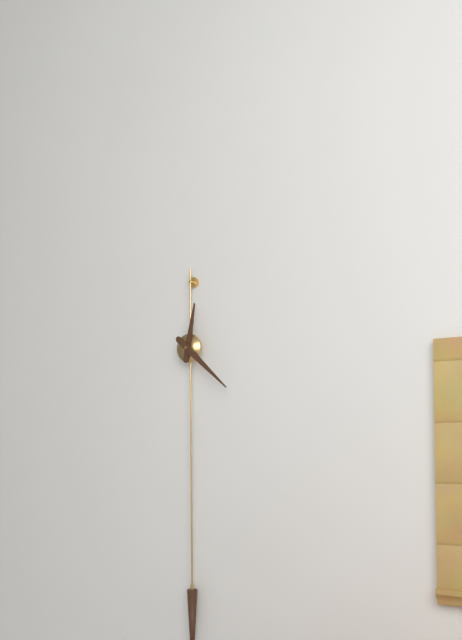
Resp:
**12:22**
